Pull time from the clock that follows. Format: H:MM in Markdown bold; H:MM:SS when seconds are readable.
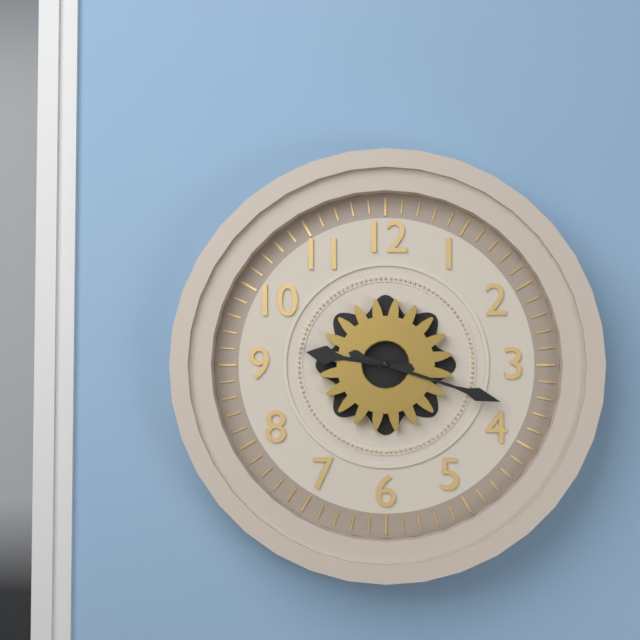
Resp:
**9:18**
